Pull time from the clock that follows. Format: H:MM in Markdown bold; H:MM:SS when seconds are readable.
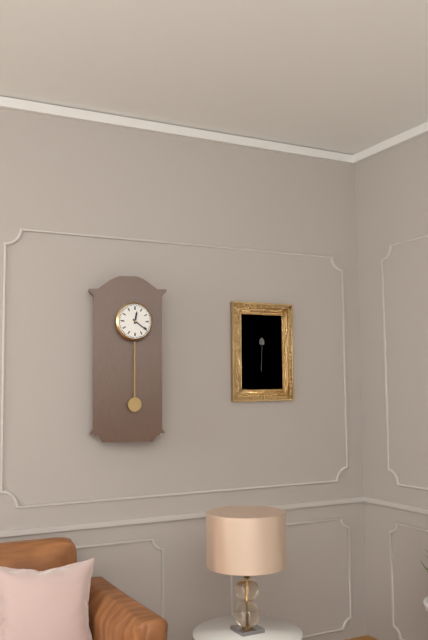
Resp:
**12:21**
